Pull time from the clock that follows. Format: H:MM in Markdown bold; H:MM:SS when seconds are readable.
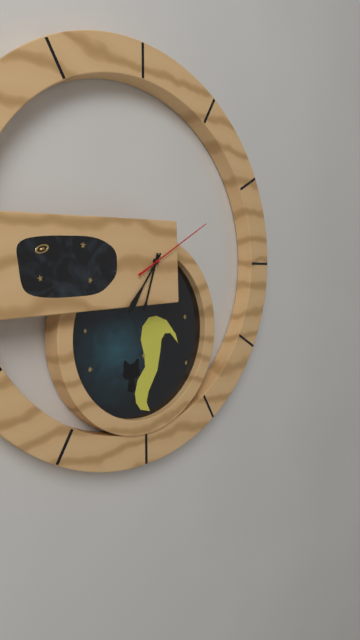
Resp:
**6:36:10**
